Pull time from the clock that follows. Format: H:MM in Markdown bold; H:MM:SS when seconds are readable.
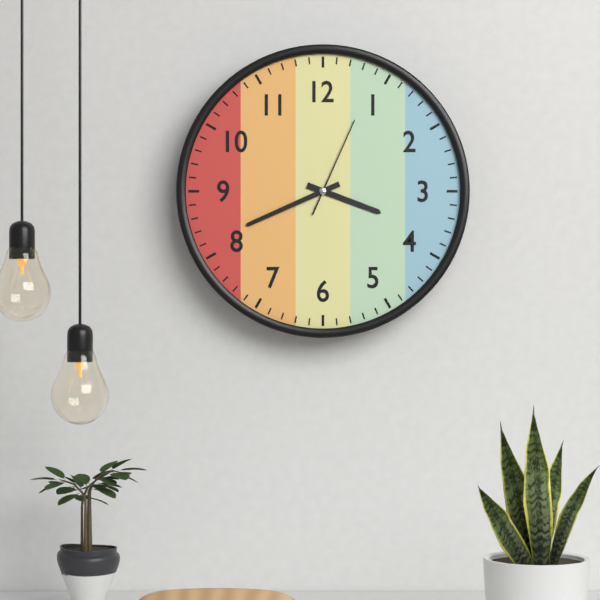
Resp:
**3:41:04**
